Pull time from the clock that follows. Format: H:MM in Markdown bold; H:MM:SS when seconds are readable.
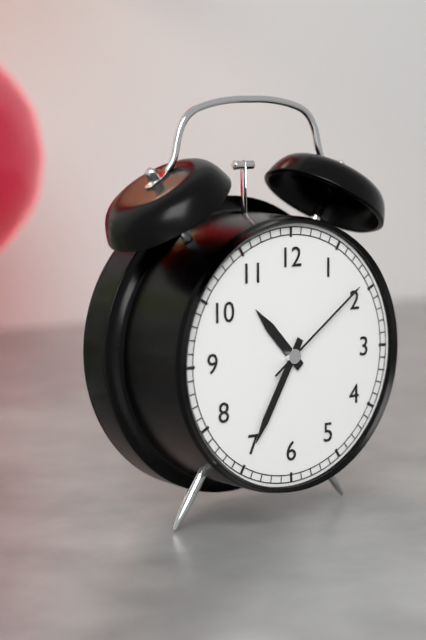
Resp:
**10:35:09**
